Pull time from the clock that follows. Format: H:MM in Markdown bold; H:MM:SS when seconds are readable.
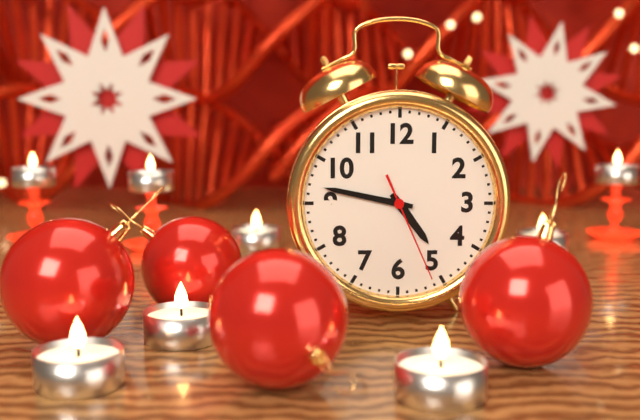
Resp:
**4:47:26**
